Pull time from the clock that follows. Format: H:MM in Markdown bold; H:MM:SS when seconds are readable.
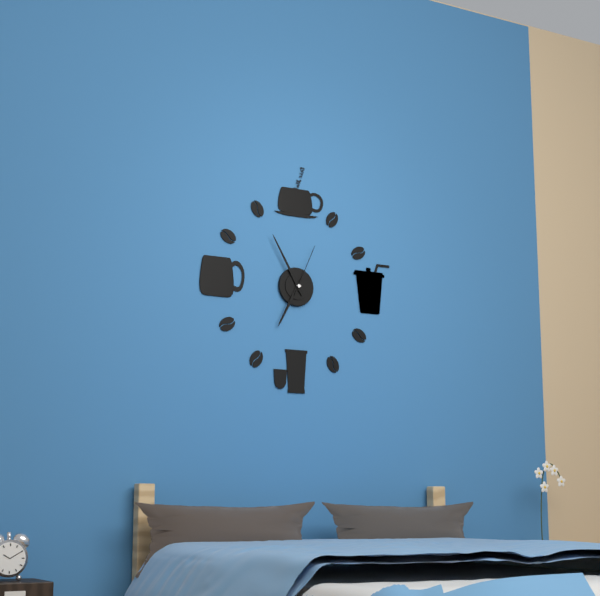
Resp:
**6:55:04**
